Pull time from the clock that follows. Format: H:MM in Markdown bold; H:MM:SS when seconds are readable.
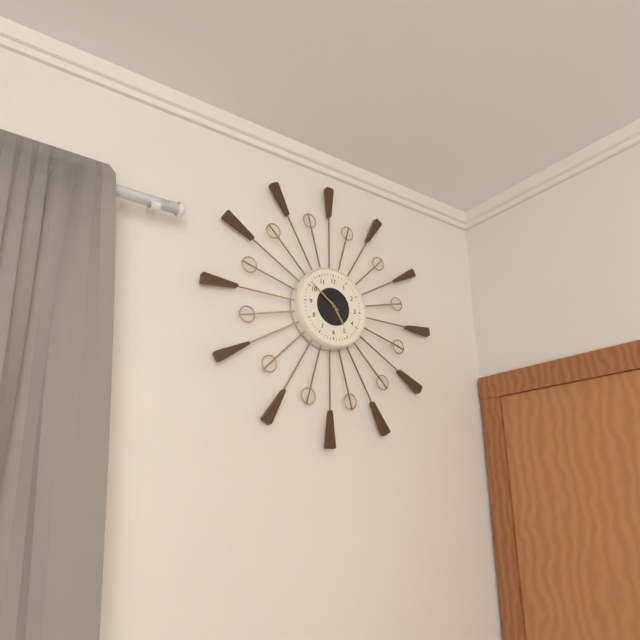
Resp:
**4:51**
